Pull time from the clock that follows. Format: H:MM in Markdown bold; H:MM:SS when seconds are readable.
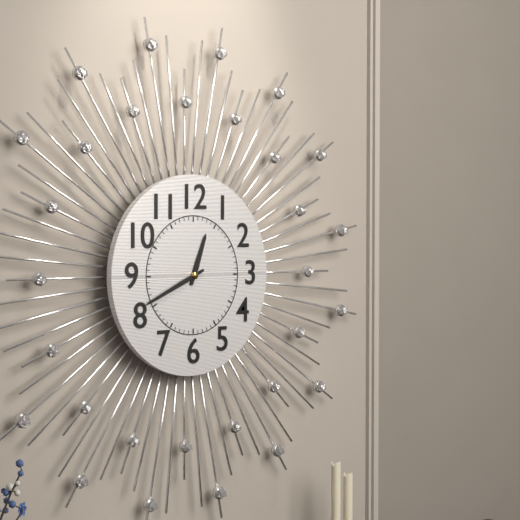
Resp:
**12:41**
